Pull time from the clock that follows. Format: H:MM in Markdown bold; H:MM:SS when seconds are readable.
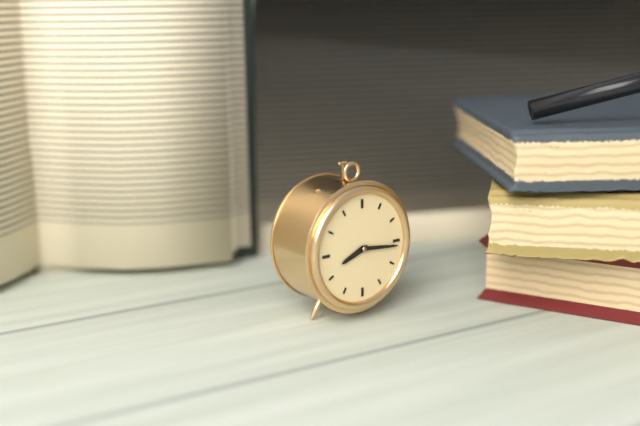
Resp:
**8:16**
